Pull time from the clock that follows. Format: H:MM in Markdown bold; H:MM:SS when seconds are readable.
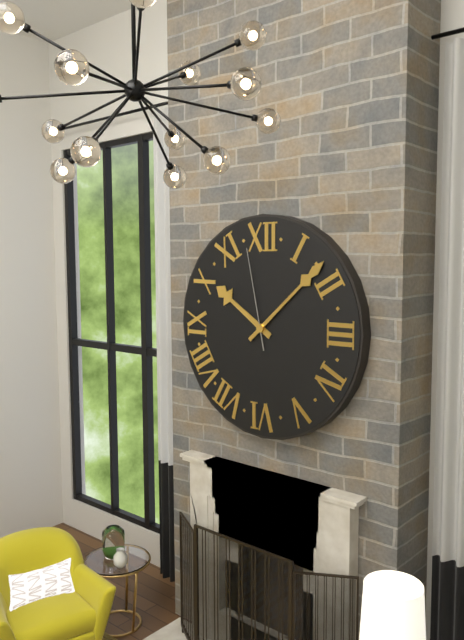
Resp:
**10:08:58**
